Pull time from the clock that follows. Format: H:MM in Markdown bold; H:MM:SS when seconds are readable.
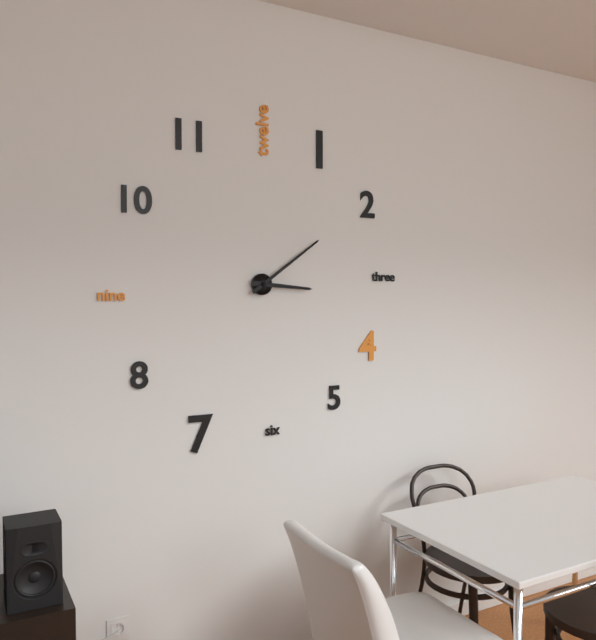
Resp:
**3:09**
